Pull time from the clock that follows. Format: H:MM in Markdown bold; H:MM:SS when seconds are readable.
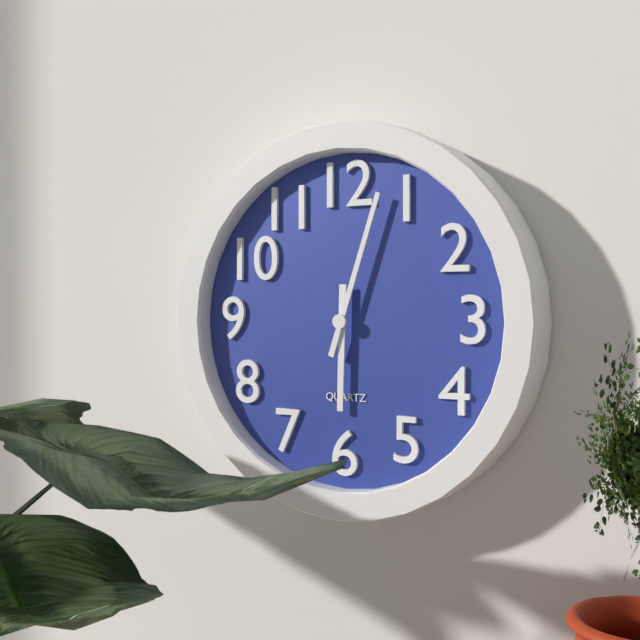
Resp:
**6:03**
